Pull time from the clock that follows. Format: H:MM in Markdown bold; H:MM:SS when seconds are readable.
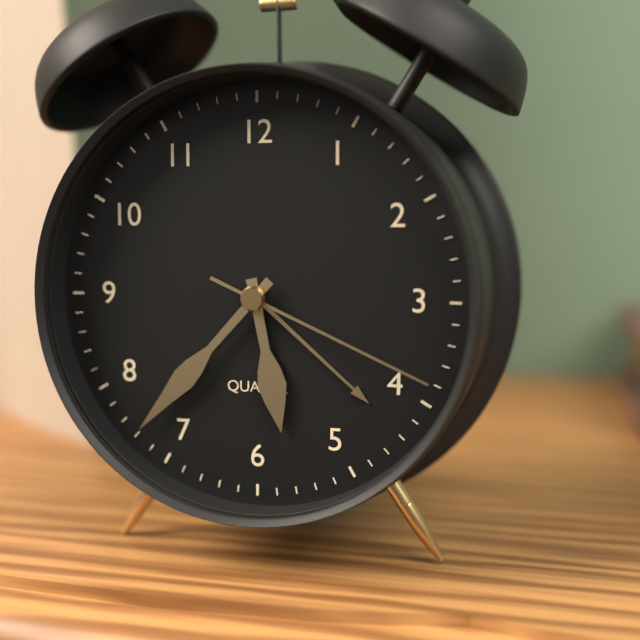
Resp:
**5:37:19**
